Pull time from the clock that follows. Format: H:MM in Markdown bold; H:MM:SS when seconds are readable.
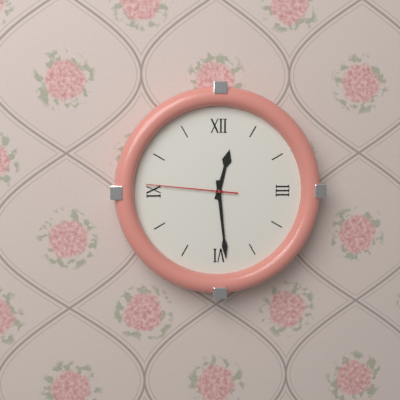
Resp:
**12:29:46**
